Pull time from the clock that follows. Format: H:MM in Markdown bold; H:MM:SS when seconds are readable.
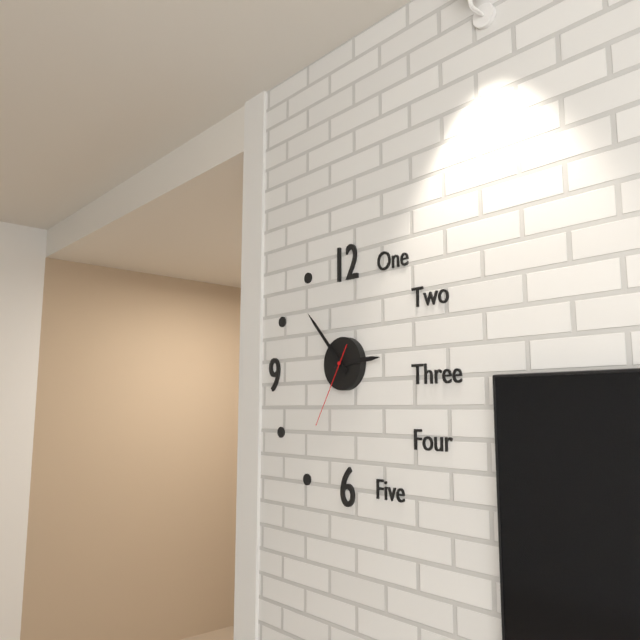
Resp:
**2:53:35**
